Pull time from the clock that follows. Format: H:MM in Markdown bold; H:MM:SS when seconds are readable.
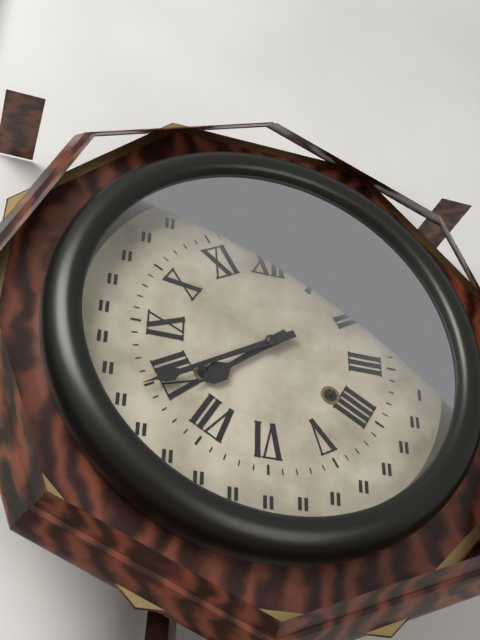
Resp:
**7:40**
